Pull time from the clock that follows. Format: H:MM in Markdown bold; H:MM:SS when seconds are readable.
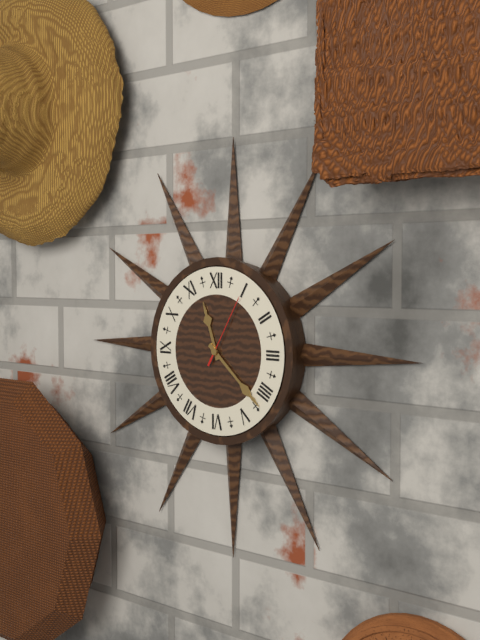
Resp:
**11:22:05**
